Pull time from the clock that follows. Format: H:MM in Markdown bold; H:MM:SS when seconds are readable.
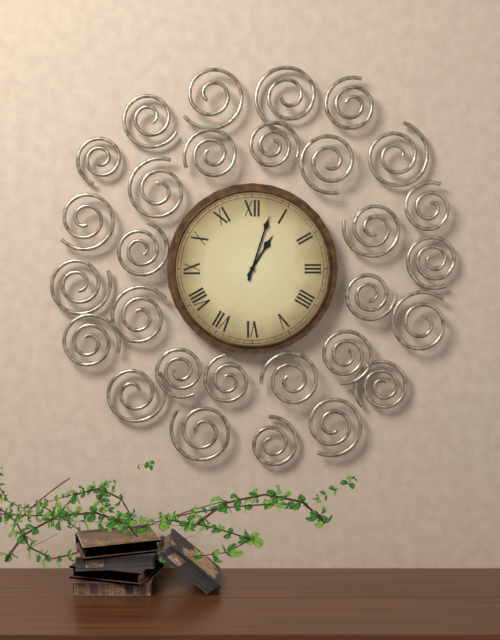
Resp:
**1:03**
